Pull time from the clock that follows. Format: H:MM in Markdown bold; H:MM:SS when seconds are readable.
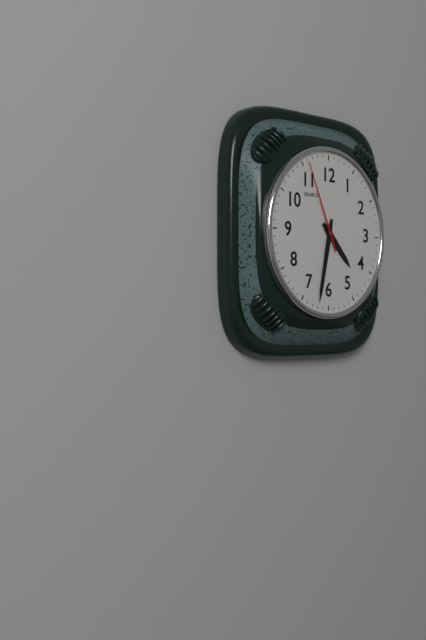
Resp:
**4:32:56**
